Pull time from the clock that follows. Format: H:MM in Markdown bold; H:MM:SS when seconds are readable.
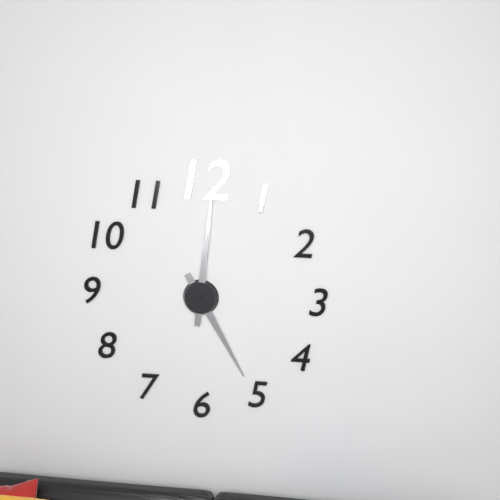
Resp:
**5:01**
